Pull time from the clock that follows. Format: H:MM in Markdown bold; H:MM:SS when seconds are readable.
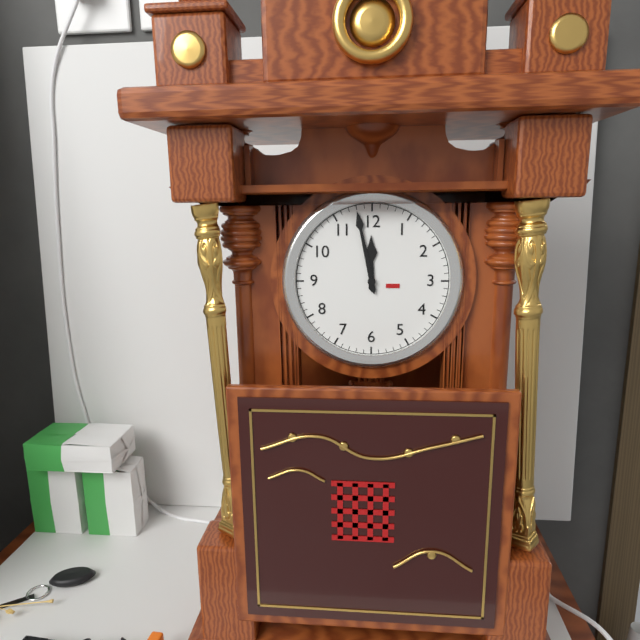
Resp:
**11:58**
